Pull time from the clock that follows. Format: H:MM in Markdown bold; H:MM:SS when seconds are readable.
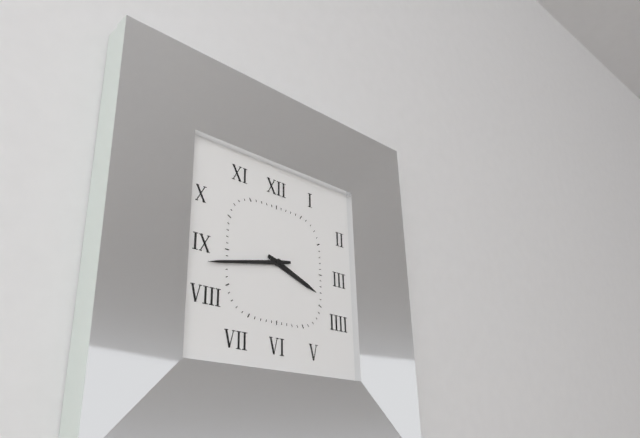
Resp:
**3:43**
